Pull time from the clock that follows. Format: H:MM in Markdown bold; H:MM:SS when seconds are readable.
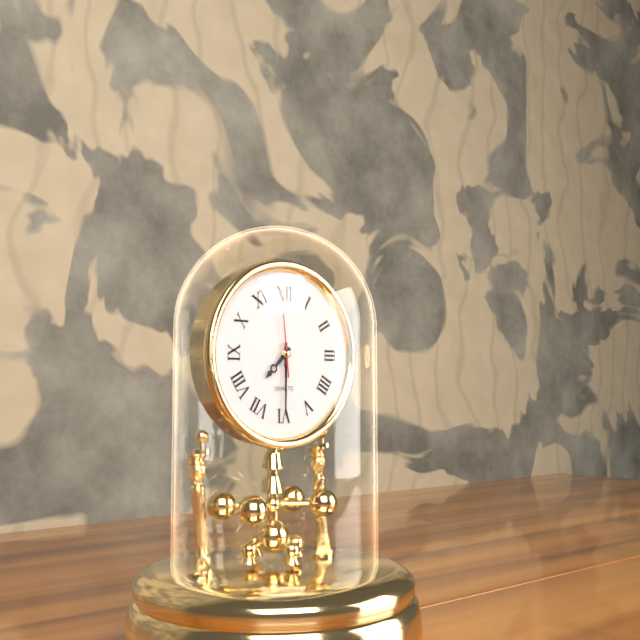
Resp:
**7:30:59**
